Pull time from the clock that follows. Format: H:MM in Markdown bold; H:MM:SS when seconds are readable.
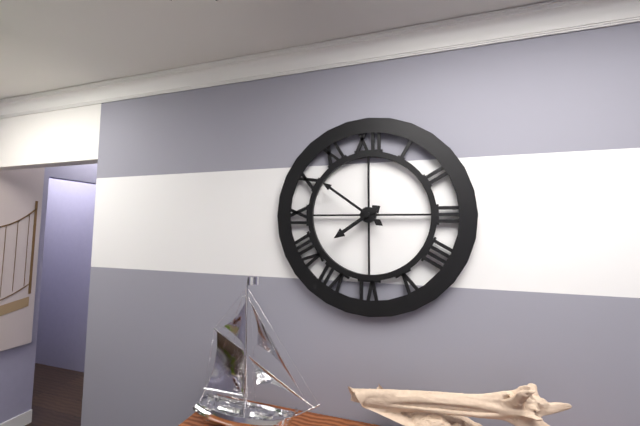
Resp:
**7:51**
